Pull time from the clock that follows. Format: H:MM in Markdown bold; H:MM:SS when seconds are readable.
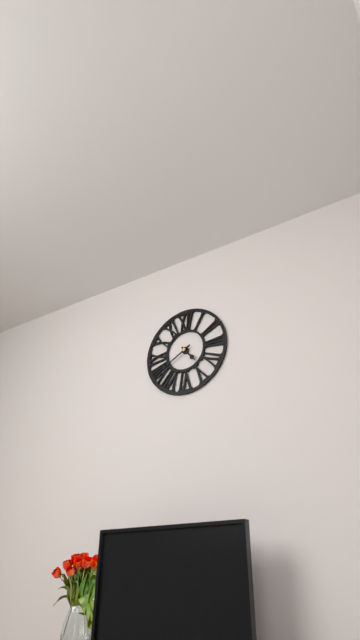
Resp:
**4:40**
